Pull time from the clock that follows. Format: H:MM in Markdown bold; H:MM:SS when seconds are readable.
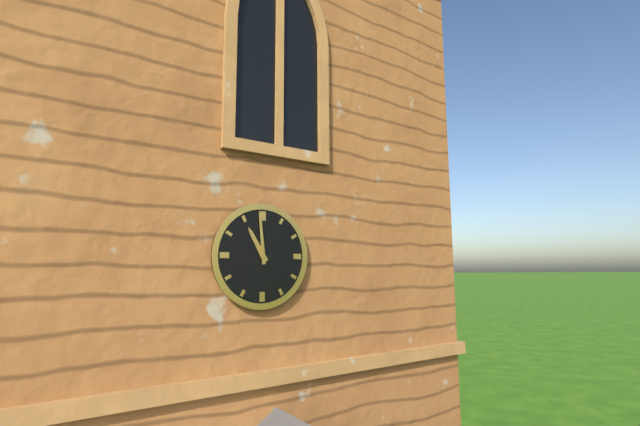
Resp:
**10:59**
